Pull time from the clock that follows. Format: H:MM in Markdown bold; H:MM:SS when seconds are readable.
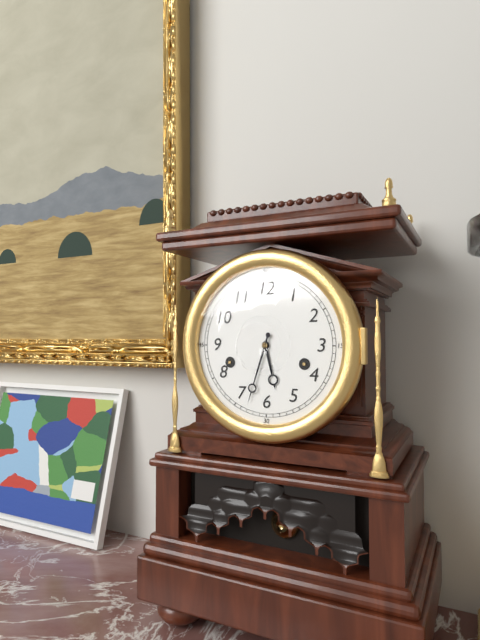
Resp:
**5:33**
